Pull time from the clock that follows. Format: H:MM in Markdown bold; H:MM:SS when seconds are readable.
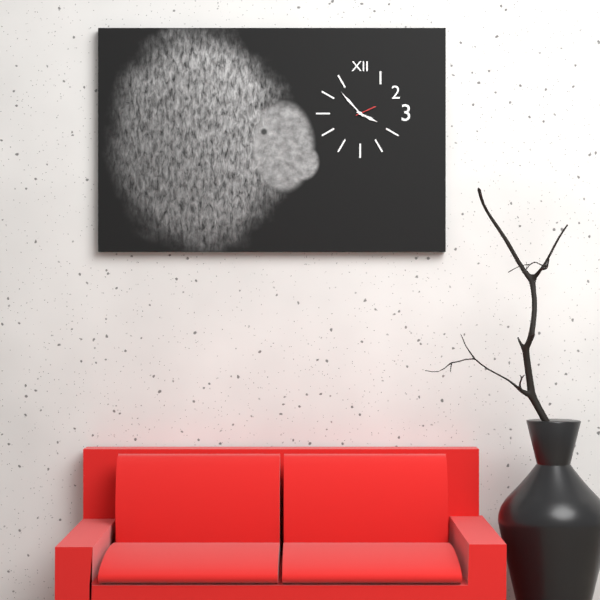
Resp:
**3:53**
